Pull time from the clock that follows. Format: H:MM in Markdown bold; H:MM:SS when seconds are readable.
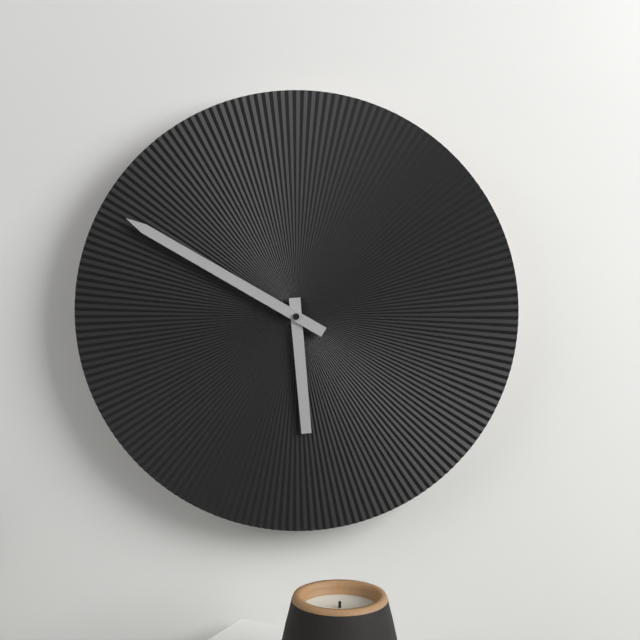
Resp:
**5:50**
